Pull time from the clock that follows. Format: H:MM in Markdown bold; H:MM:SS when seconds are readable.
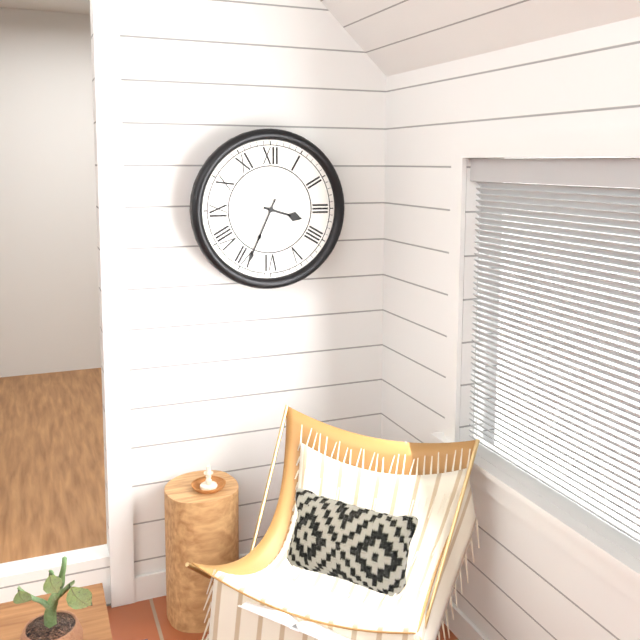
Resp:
**3:34**
